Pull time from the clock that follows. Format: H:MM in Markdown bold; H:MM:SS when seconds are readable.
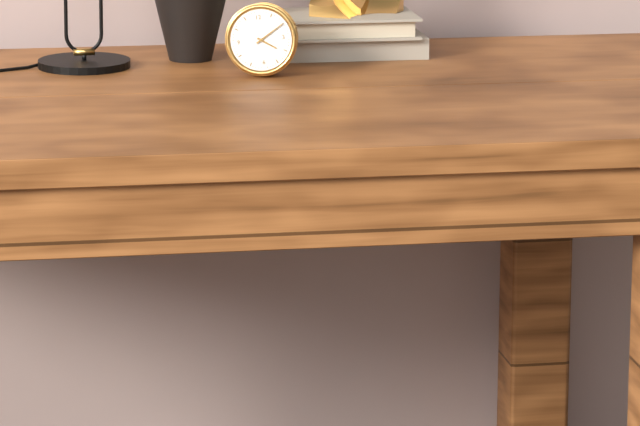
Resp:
**4:10**
